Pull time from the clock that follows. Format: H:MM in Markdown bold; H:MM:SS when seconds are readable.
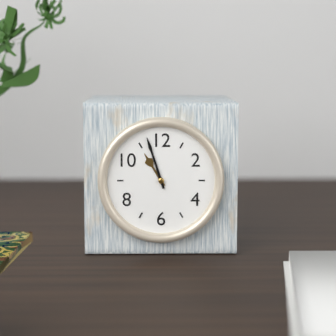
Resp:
**10:57**
